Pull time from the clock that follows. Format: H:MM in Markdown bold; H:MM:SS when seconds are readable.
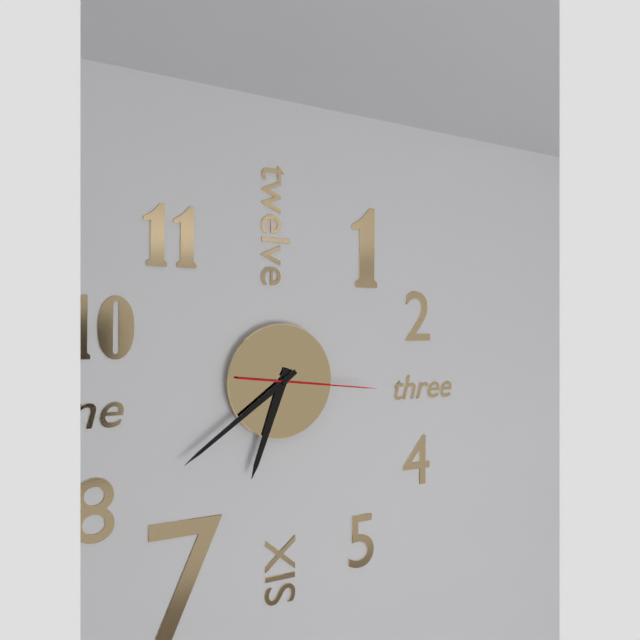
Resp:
**6:39:16**
